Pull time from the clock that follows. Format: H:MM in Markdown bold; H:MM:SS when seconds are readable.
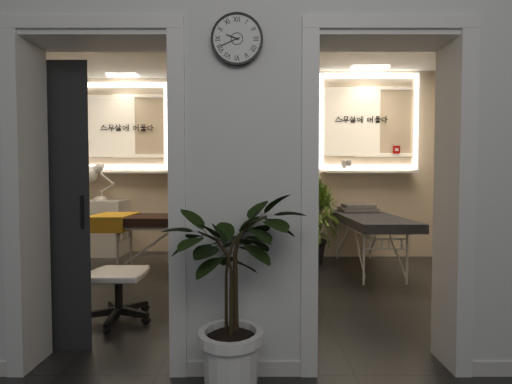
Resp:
**9:41**
